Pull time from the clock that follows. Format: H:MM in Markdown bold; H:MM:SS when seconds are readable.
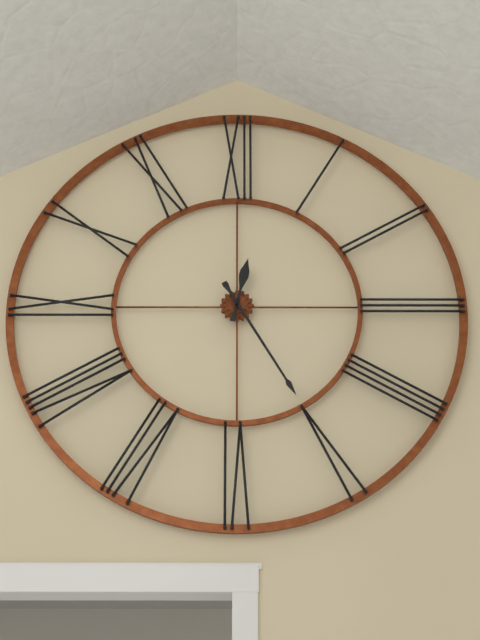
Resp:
**12:25**
